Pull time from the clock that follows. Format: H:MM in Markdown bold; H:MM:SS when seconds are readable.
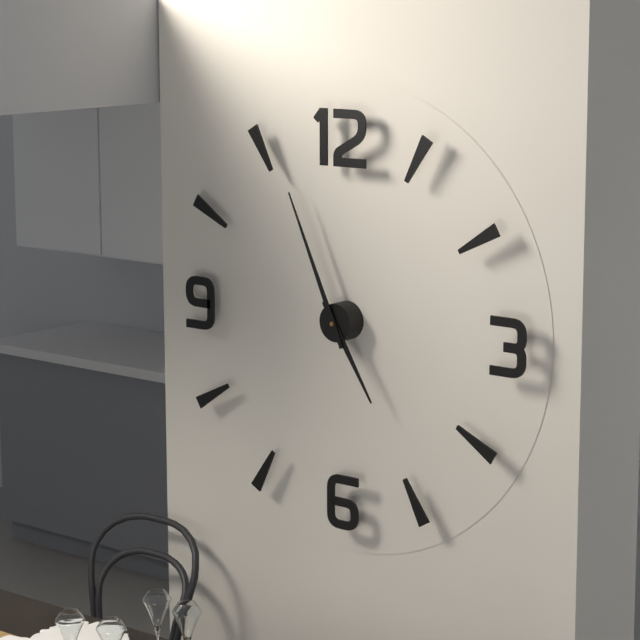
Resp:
**4:56**
